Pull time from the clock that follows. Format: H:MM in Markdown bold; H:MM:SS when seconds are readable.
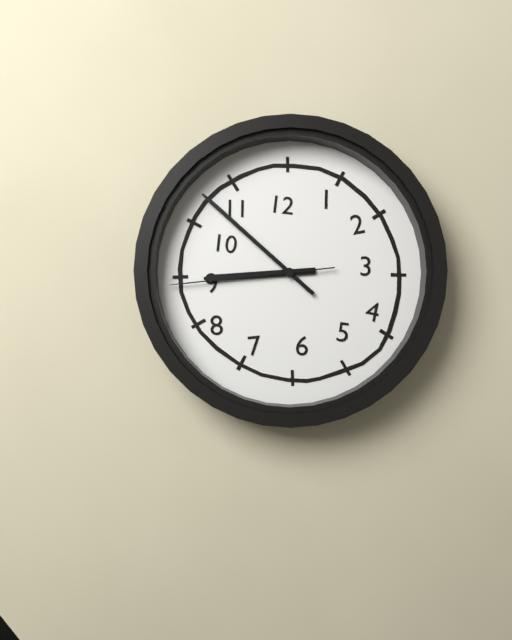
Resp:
**8:52:44**
